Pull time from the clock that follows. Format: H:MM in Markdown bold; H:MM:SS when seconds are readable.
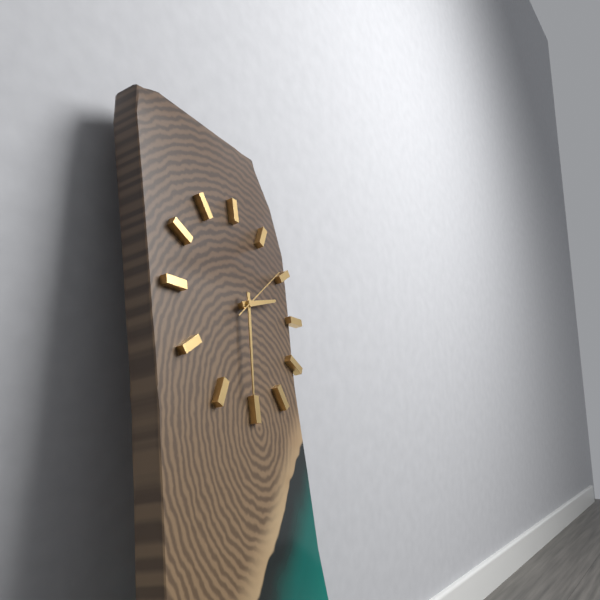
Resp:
**2:31:09**
